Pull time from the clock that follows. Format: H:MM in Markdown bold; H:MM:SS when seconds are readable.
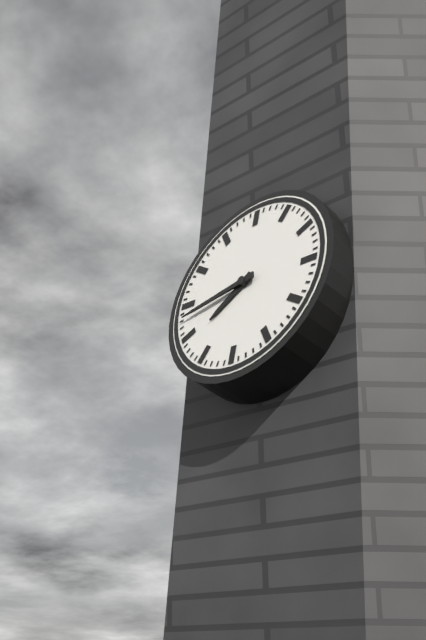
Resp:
**7:43**
